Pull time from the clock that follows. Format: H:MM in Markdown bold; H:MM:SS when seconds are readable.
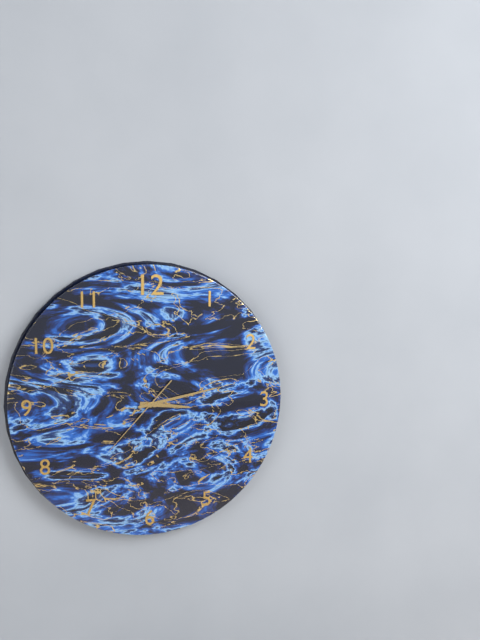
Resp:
**3:13:37**
